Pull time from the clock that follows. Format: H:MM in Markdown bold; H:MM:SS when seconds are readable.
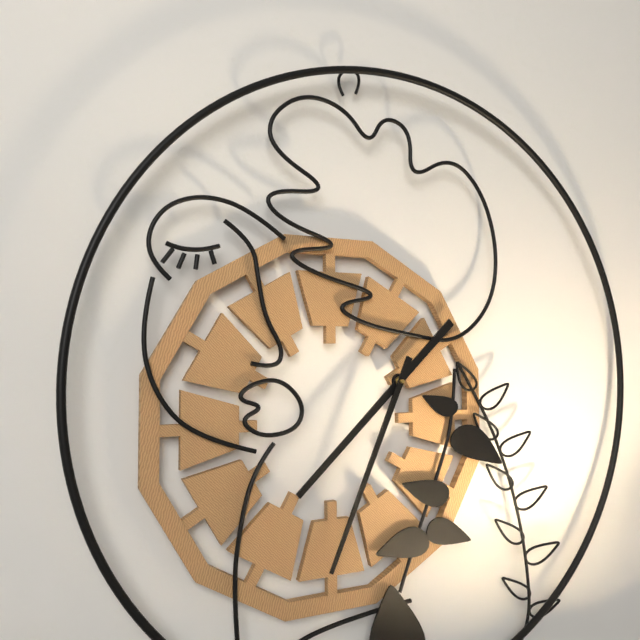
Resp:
**7:34**
